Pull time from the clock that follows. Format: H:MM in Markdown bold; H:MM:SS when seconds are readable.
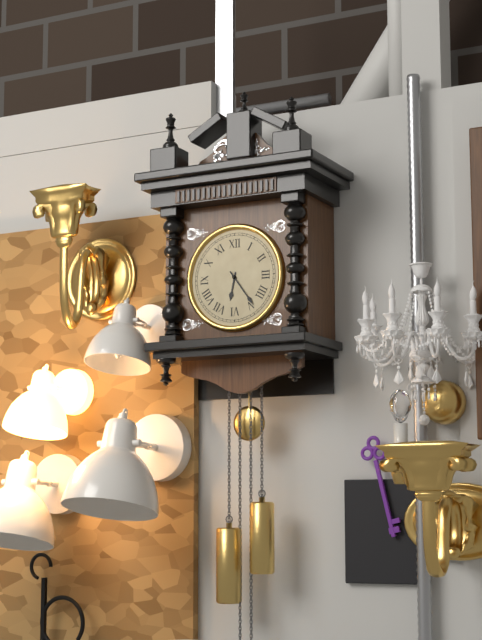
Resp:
**6:24**
